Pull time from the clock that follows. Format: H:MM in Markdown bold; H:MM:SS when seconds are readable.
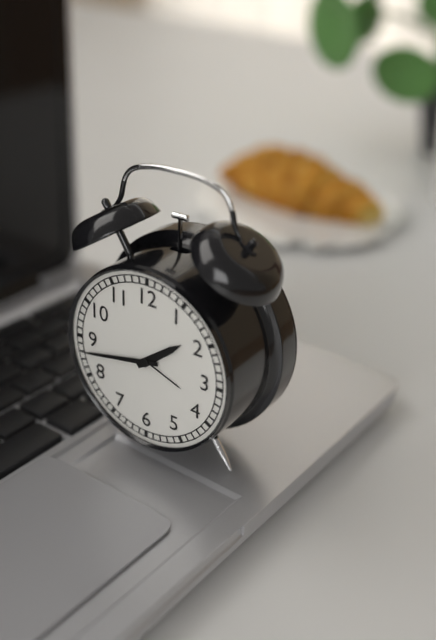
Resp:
**1:43**
